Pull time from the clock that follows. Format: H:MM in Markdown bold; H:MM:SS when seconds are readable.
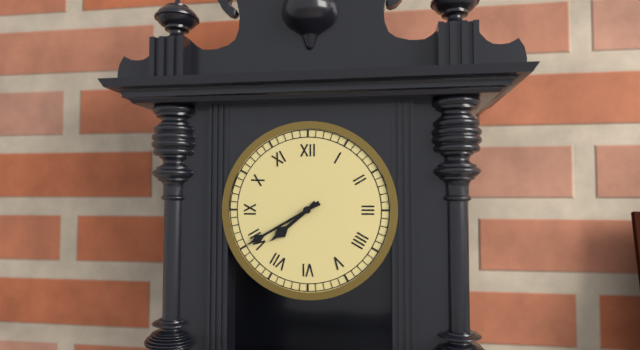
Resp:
**7:40**
